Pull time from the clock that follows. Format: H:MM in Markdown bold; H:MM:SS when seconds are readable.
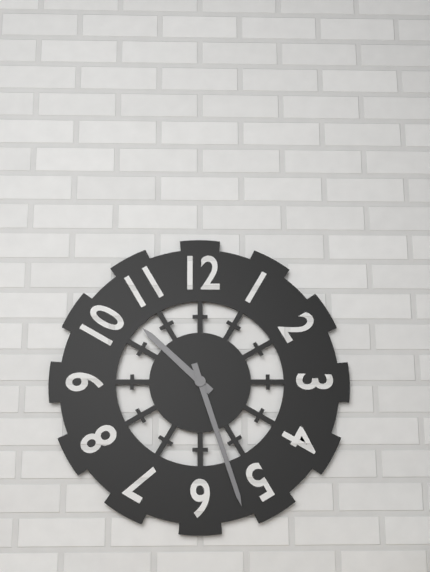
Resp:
**10:27**
